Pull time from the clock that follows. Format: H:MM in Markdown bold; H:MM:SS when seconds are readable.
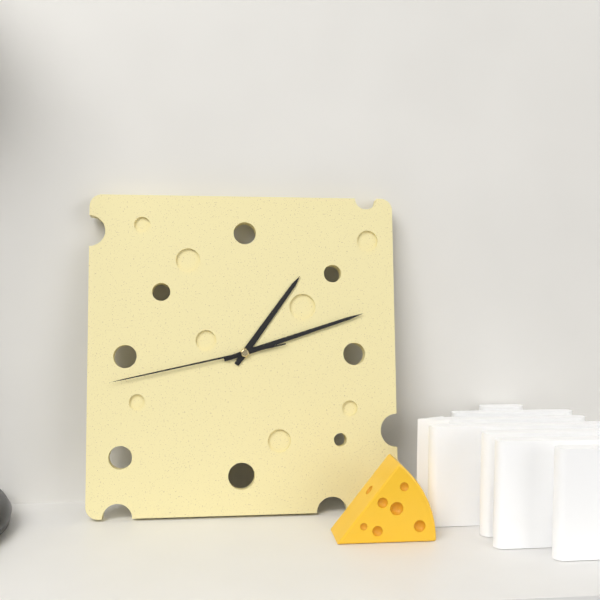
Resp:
**1:12:43**
